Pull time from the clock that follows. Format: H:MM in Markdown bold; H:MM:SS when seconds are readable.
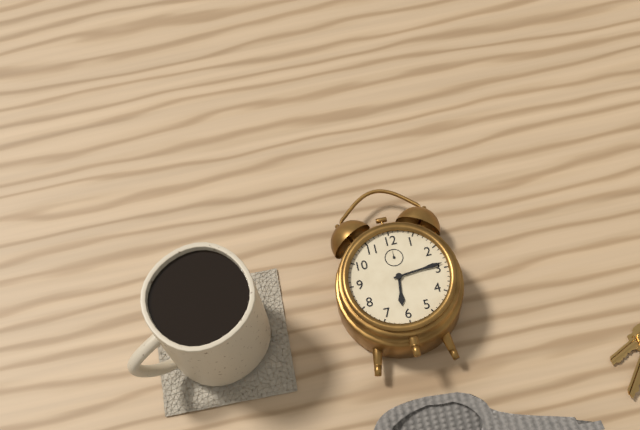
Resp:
**6:14**
